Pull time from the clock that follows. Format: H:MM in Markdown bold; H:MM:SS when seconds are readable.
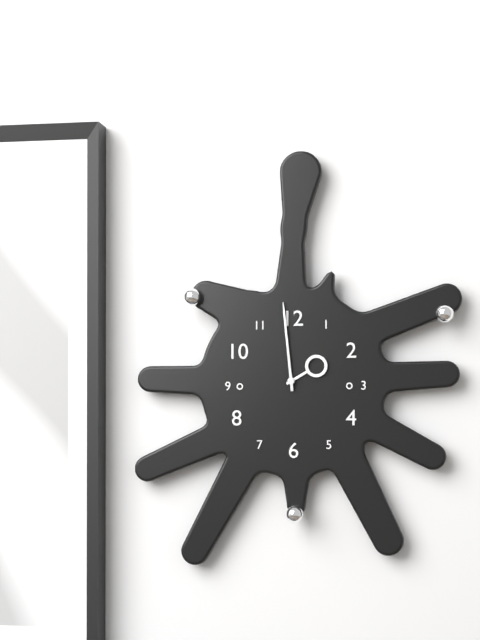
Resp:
**1:59**
